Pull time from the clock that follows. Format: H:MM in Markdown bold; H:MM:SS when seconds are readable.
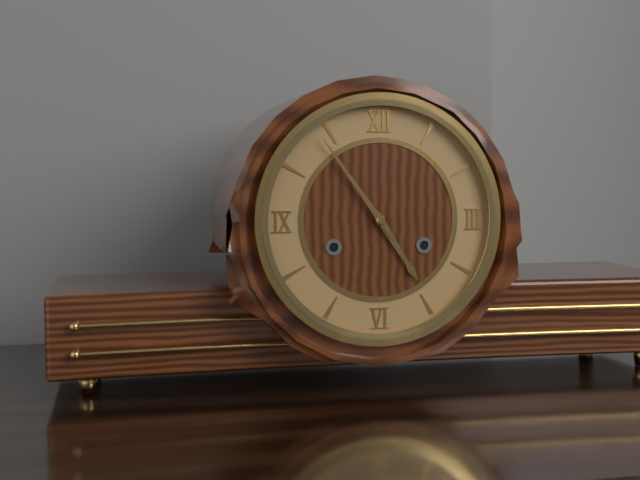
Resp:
**4:54**
